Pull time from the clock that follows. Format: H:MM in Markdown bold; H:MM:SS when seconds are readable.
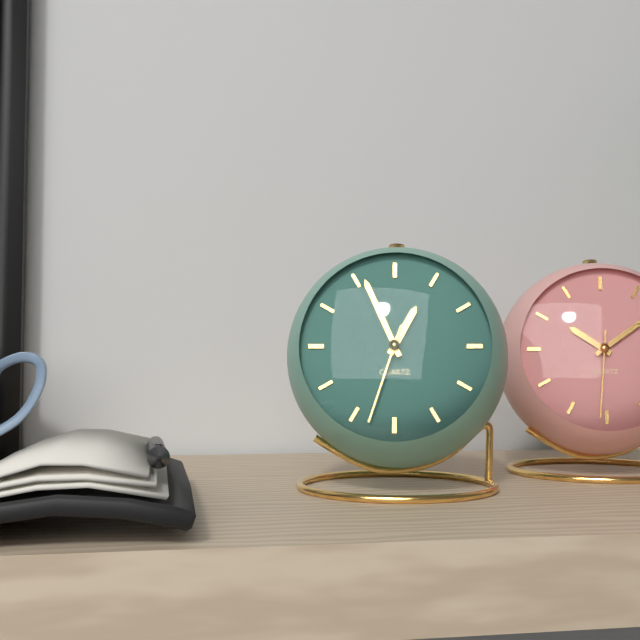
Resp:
**12:56:33**
